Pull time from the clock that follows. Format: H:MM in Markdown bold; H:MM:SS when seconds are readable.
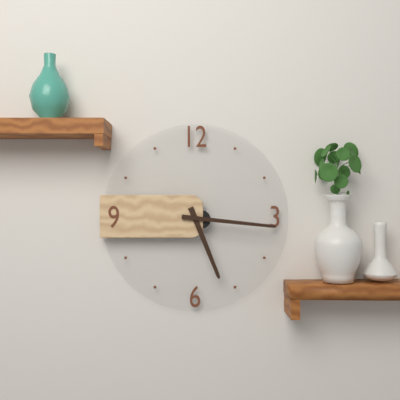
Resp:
**5:16**
